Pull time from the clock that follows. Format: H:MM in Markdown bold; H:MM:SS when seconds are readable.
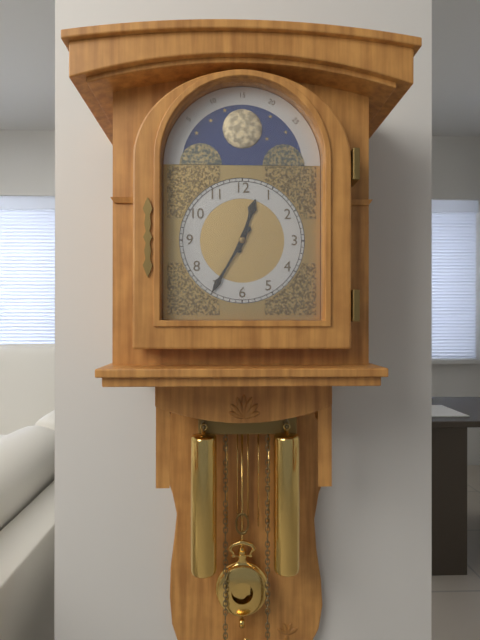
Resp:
**12:35**
